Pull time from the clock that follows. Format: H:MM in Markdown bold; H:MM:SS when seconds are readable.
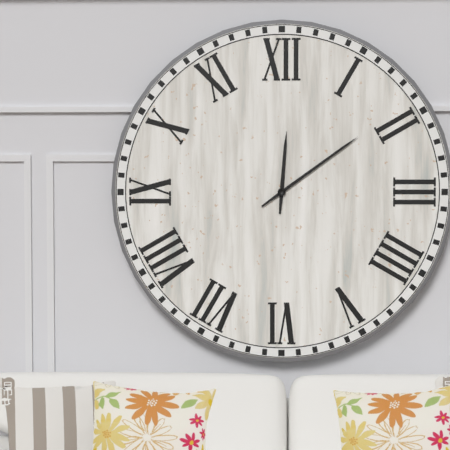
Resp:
**12:09**
